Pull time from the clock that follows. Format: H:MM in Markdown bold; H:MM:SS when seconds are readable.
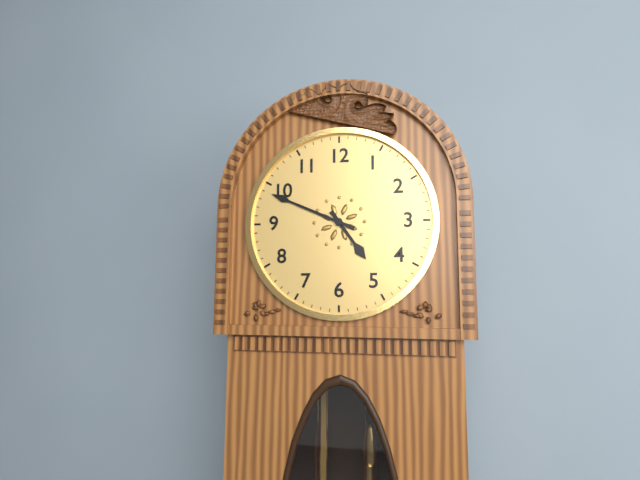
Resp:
**4:49**
